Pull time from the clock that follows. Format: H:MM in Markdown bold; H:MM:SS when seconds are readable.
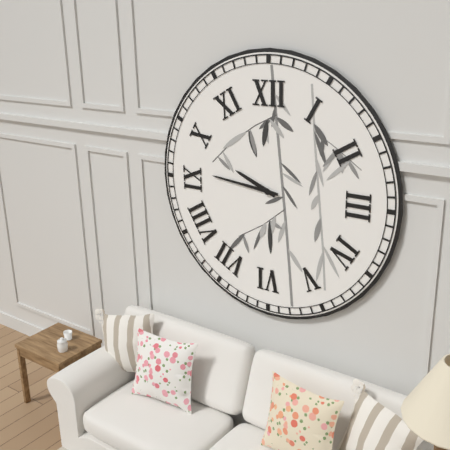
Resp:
**9:46**
